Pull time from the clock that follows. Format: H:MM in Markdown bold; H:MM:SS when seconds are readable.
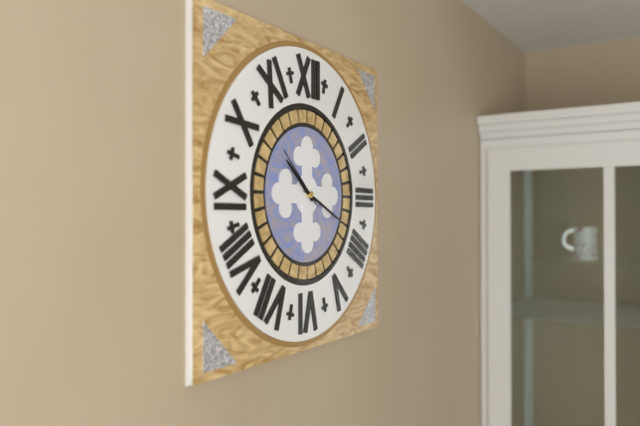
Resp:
**10:19:52**
